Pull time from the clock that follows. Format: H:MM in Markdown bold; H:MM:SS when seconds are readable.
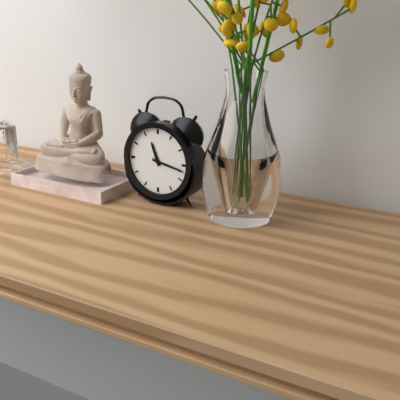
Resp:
**11:17**
